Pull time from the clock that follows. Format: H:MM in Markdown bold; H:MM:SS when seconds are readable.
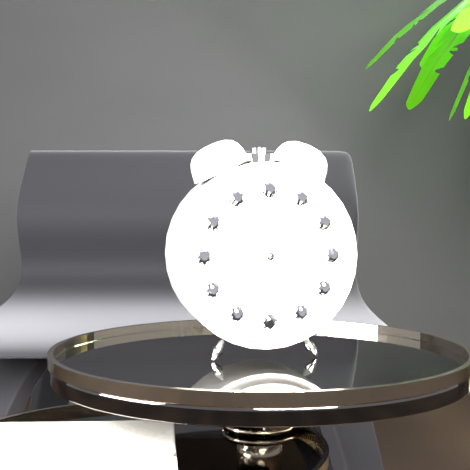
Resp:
**6:06:00**
